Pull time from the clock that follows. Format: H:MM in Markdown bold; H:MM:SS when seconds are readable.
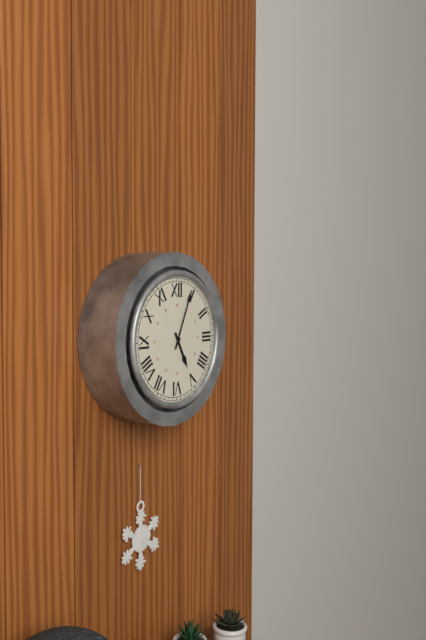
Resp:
**5:04**
